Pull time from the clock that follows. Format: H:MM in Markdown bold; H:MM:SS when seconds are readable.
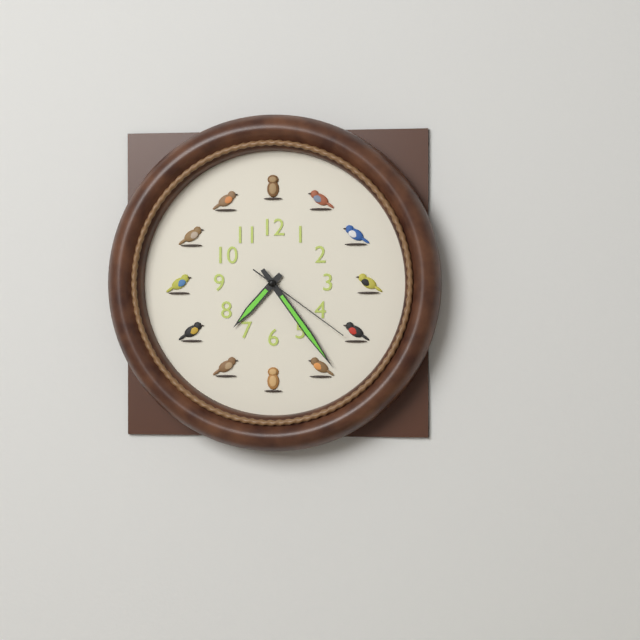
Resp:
**7:24:21**
